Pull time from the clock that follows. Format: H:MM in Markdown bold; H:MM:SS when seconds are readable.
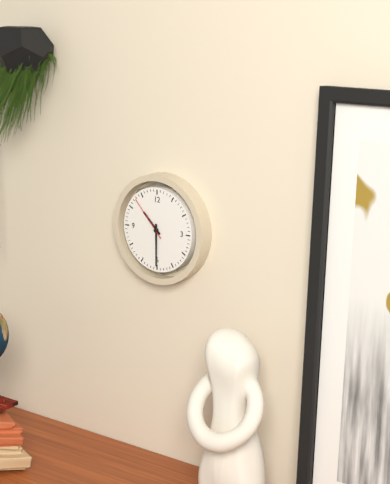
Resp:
**10:30**
